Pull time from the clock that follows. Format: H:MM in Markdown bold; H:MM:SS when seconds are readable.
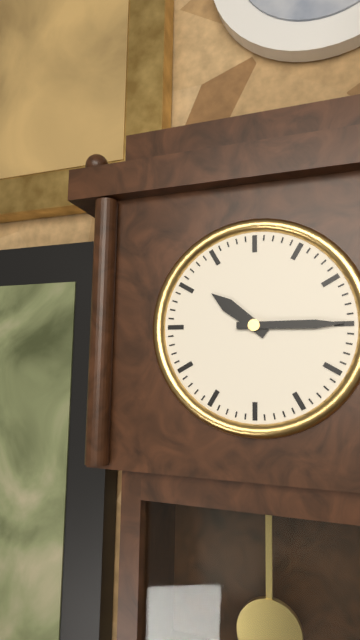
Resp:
**10:15**
